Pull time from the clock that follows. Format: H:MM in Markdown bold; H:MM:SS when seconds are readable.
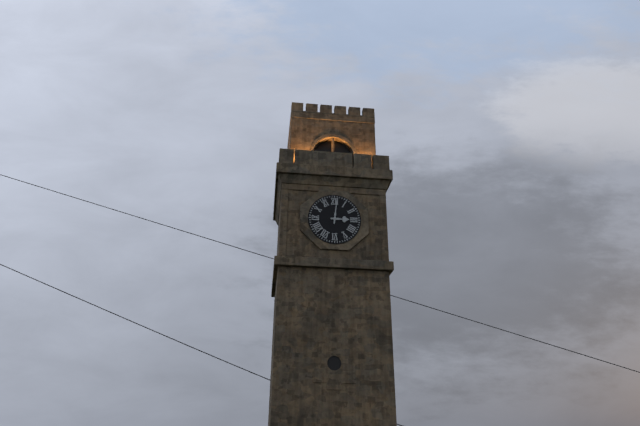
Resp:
**3:01**
